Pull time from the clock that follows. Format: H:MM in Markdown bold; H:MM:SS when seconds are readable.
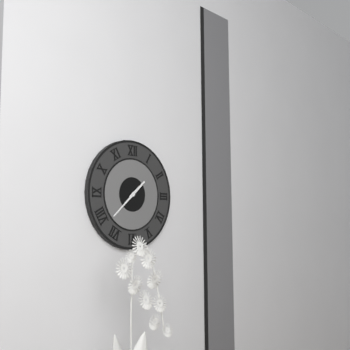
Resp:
**1:38**
